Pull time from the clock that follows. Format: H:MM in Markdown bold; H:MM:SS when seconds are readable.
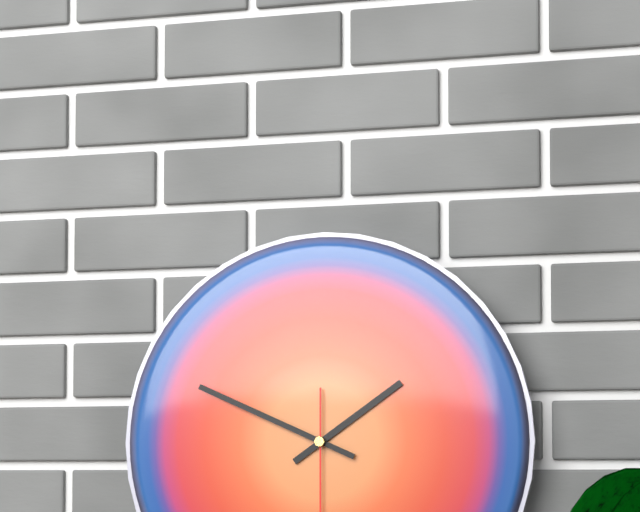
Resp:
**1:49**
